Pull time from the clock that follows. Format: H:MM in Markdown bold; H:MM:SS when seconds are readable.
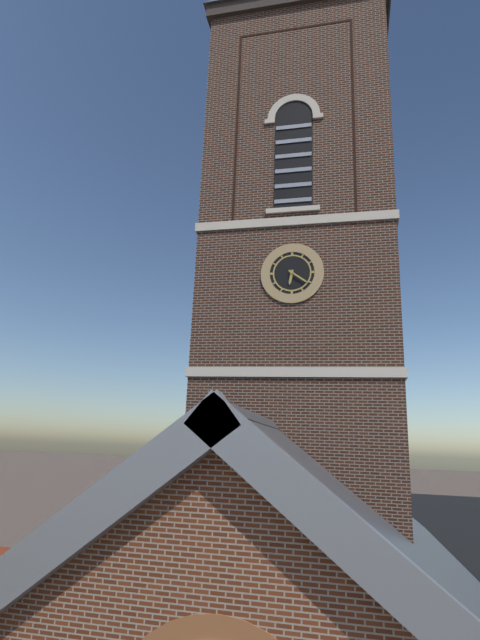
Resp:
**6:21**
